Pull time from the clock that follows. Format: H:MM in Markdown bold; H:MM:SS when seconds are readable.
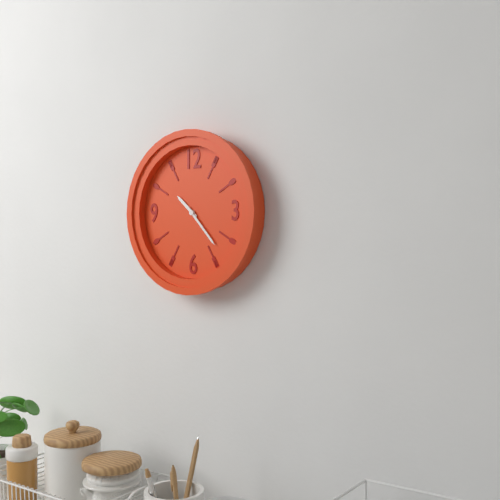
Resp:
**10:23**
